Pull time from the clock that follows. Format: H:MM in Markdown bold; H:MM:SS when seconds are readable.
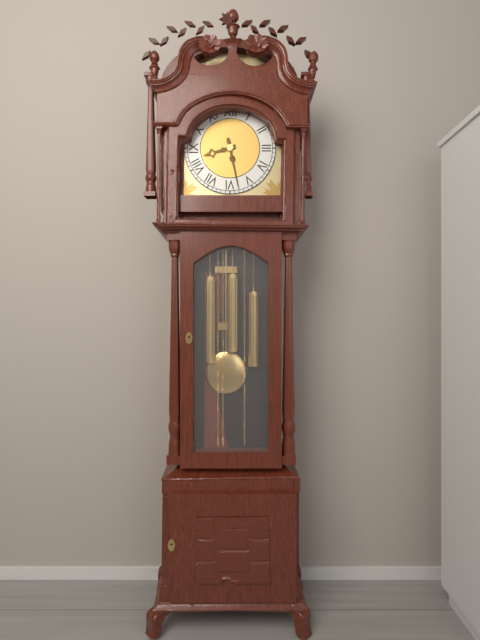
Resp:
**8:28**
